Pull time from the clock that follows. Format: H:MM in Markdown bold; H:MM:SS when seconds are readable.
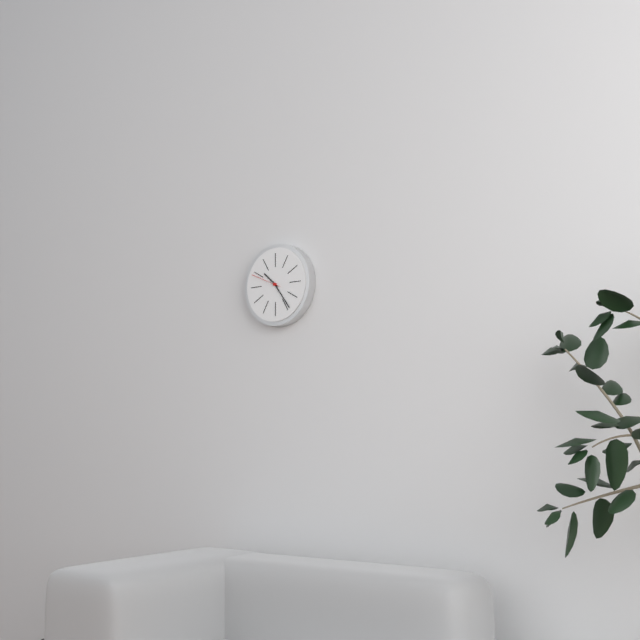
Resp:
**10:24**
